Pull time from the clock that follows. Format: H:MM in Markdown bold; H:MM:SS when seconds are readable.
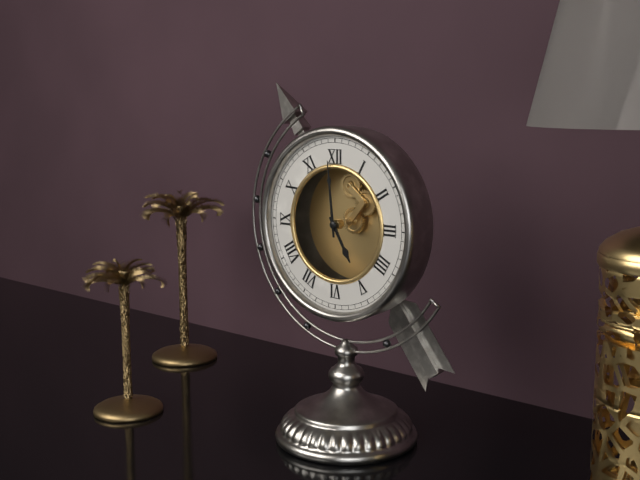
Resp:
**4:59**
